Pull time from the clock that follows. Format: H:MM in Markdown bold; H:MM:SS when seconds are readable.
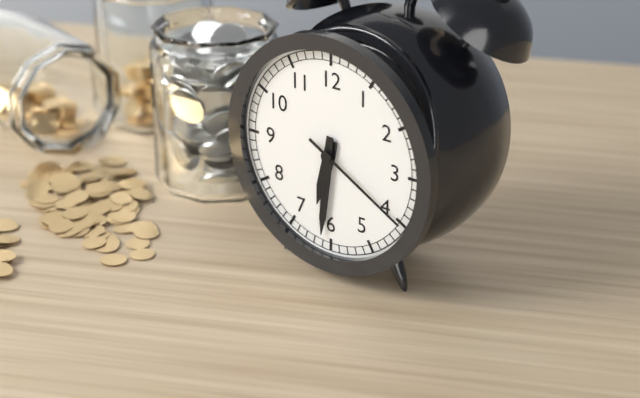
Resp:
**6:31:20**
